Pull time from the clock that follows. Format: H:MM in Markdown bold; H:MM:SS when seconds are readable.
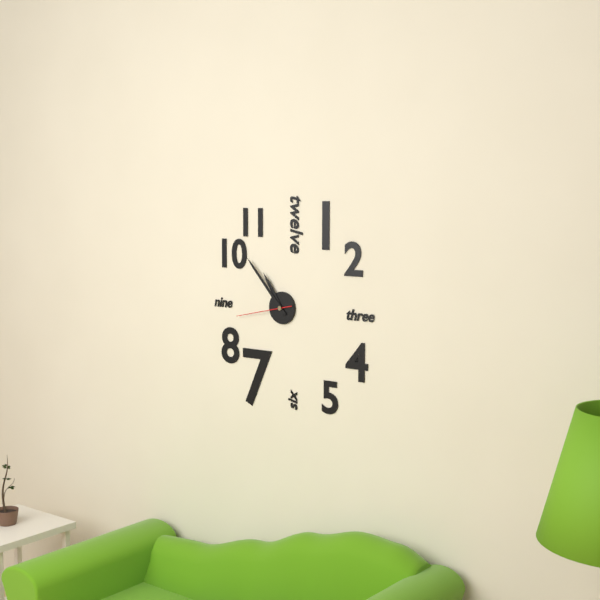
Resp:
**10:53:43**
